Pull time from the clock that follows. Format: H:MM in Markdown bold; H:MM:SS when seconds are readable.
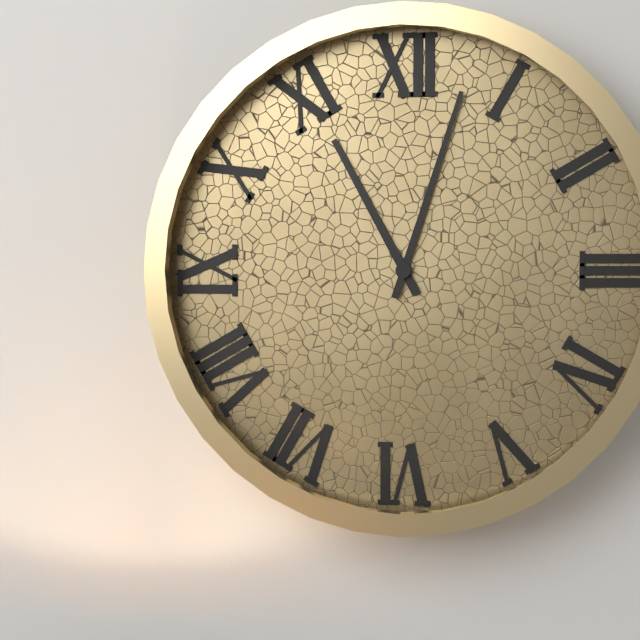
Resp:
**11:03**
